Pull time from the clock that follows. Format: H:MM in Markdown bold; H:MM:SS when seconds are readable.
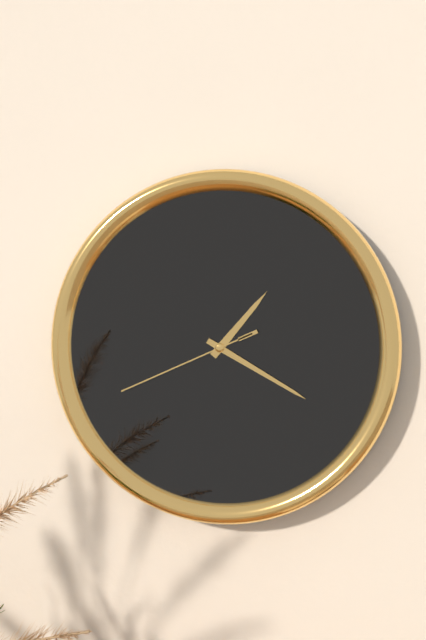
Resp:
**1:20:41**
